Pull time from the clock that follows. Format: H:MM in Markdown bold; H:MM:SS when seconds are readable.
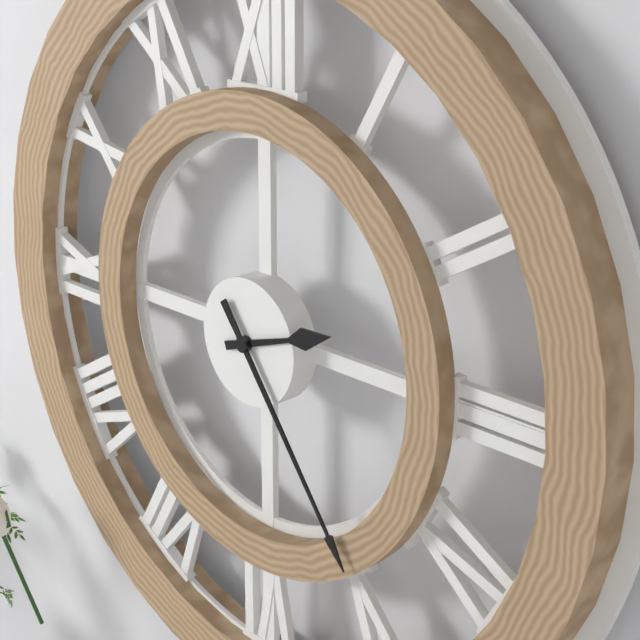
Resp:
**2:24**
